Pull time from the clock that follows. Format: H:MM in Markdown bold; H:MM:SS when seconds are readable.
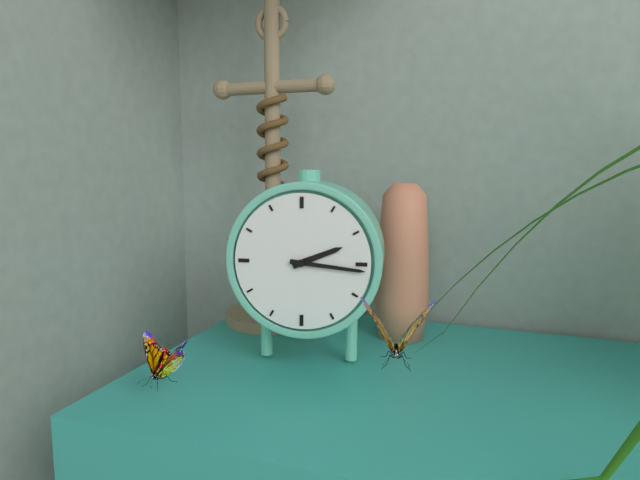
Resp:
**2:16**
